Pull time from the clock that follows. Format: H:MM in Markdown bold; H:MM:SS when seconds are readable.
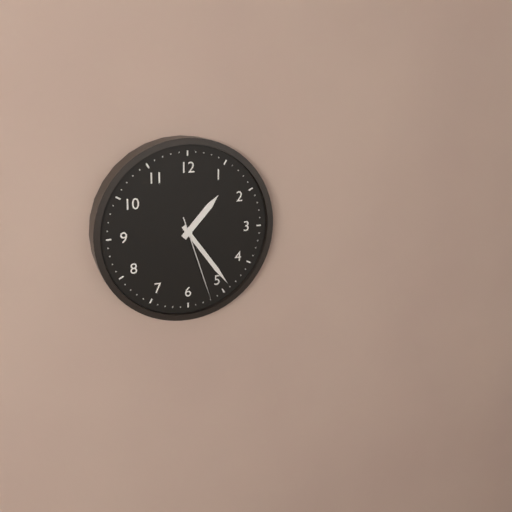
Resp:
**1:24:27**
